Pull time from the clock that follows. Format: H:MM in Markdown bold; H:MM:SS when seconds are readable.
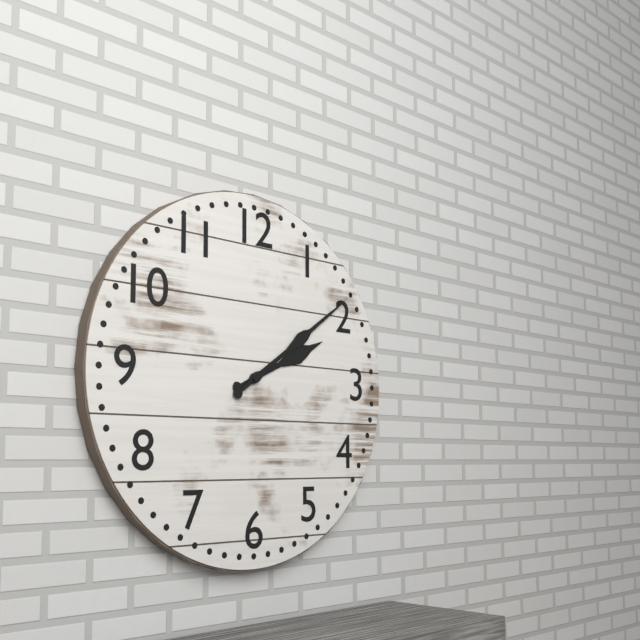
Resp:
**2:09**
